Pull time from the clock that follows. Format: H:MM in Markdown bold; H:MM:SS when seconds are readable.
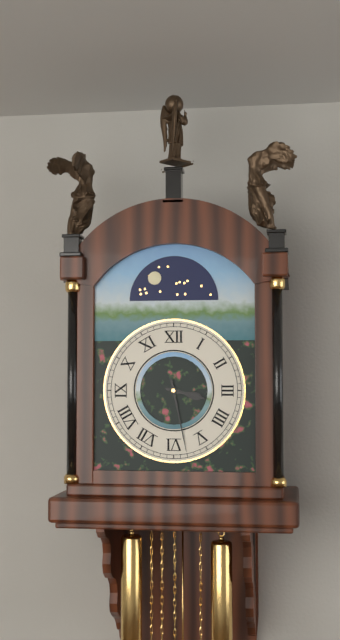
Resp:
**3:28**
